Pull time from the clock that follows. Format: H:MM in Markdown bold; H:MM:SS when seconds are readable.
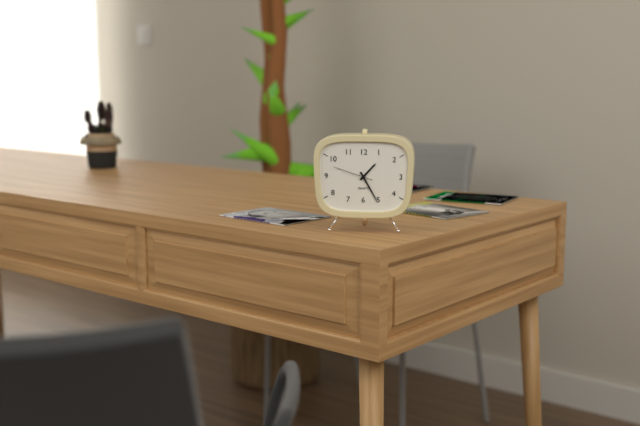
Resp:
**1:25**
